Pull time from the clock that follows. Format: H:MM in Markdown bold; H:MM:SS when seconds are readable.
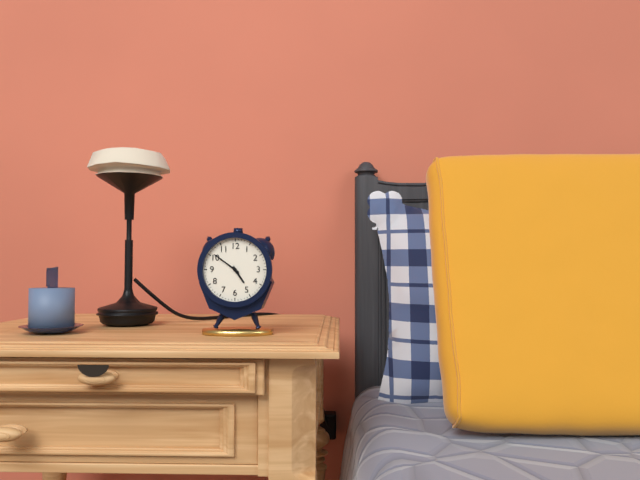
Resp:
**4:51**
